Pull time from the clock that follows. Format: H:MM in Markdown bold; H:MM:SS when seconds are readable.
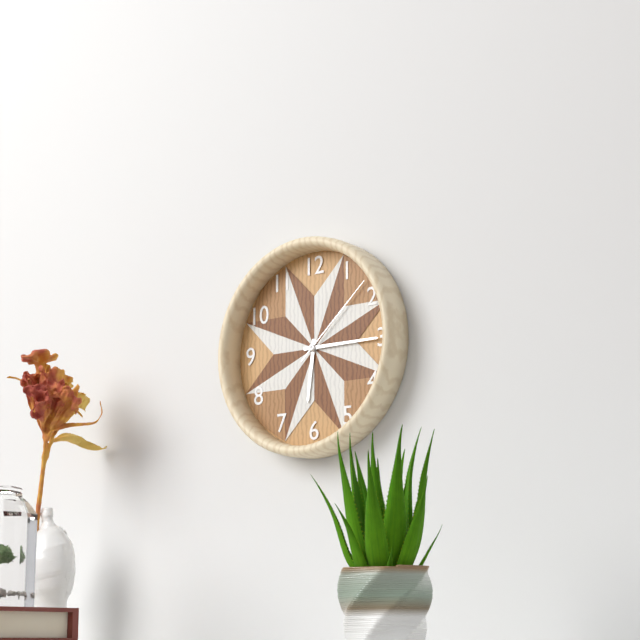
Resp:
**6:15:08**
